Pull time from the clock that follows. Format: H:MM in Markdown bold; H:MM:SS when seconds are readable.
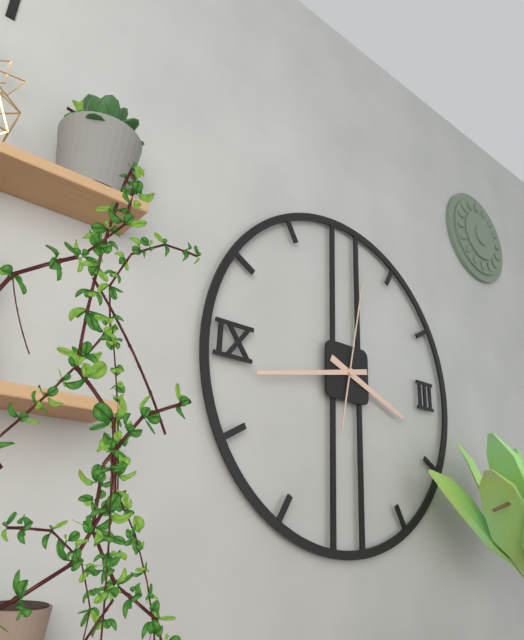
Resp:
**3:43:02**
